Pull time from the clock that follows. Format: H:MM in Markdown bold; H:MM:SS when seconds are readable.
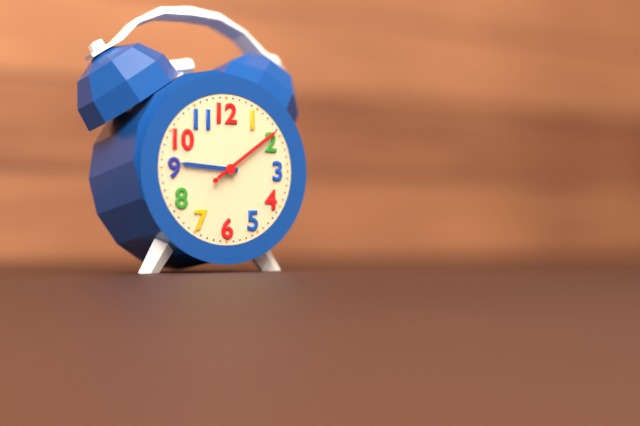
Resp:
**9:09:09**
